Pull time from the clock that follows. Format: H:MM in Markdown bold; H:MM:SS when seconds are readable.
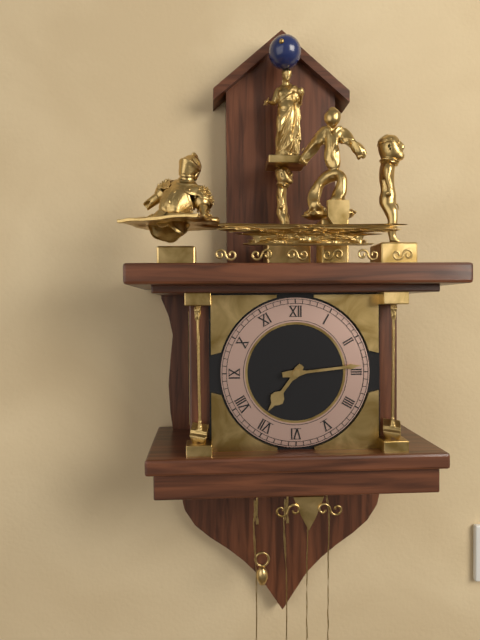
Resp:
**7:14**
